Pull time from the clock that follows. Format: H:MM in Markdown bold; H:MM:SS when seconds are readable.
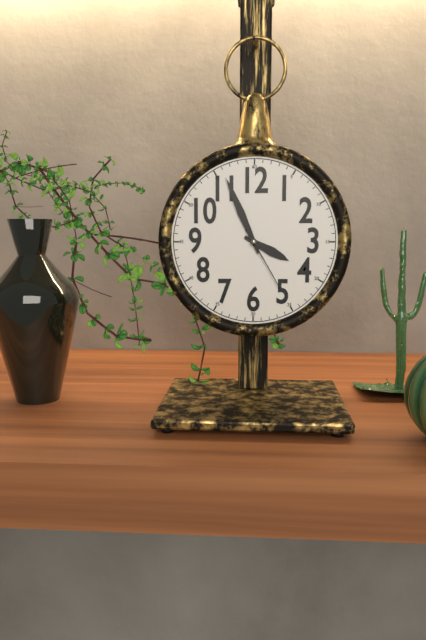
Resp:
**3:56:25**
